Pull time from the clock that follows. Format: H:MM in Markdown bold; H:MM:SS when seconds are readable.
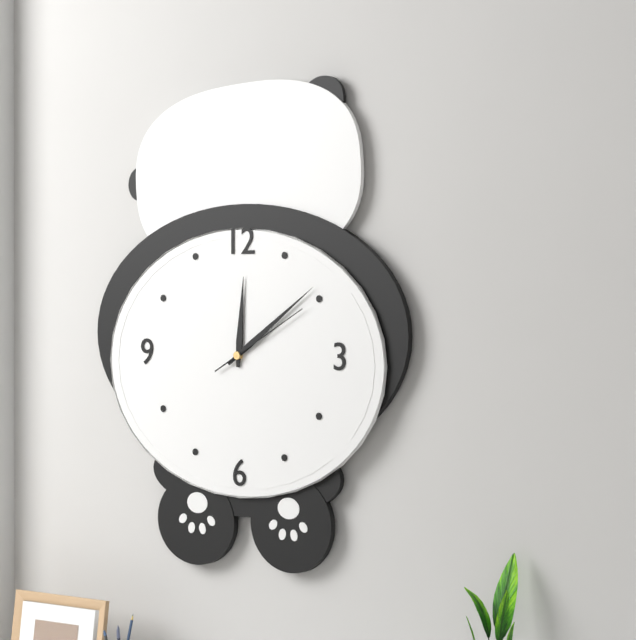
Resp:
**12:09:10**
